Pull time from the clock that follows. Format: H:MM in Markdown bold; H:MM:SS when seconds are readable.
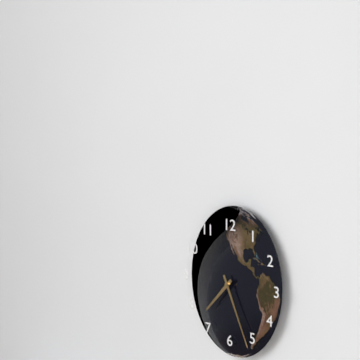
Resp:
**7:26**
